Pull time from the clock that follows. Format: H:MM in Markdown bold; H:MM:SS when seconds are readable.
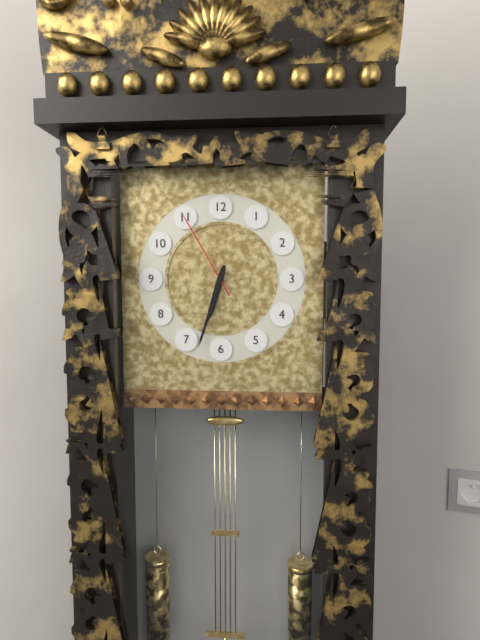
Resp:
**6:33:55**
